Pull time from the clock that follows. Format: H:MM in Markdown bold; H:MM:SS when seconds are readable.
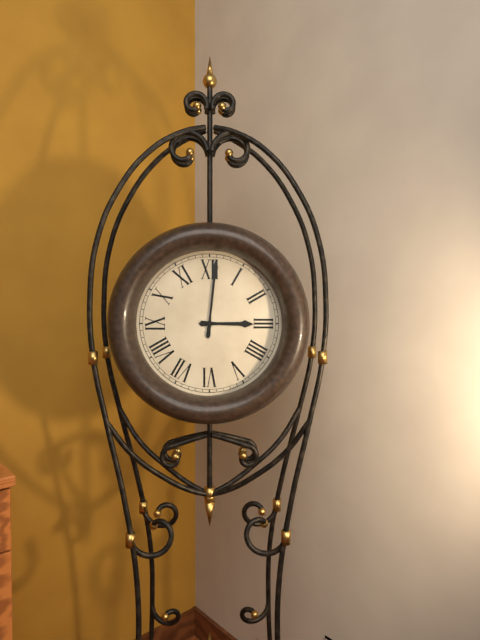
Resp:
**3:01**
